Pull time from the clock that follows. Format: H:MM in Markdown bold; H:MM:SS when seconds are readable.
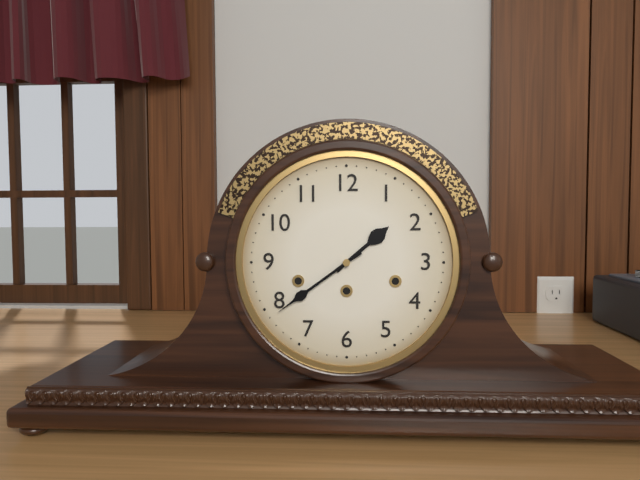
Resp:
**1:39**
